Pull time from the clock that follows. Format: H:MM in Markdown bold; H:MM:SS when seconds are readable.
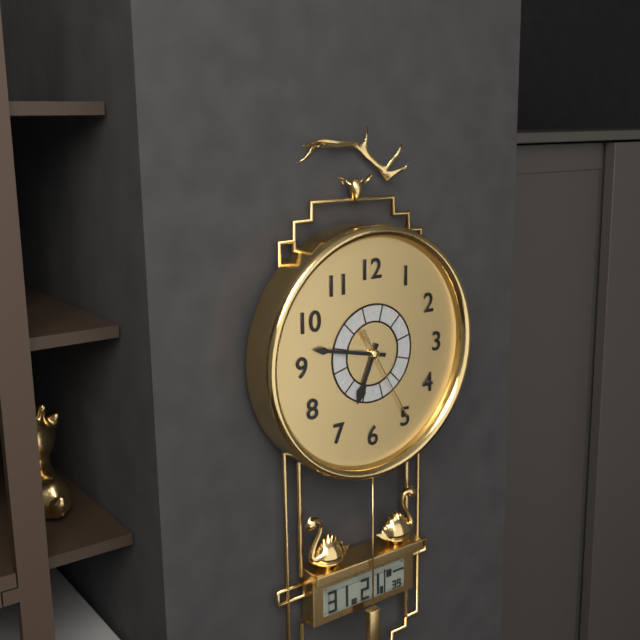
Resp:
**6:47:25**
